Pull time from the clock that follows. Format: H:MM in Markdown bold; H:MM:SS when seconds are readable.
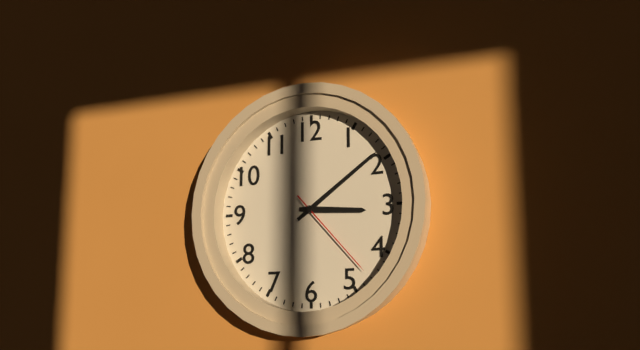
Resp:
**3:09:23**
